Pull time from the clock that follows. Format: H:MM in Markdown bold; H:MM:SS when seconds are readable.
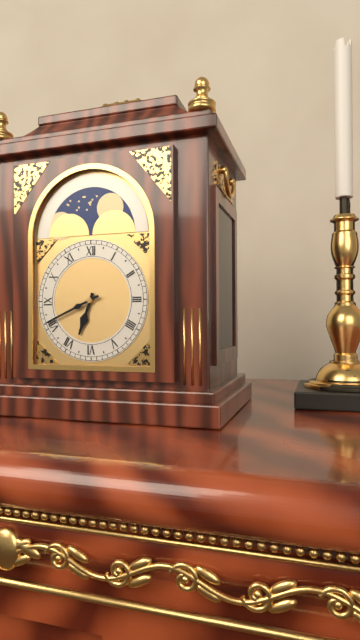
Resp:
**6:41**
